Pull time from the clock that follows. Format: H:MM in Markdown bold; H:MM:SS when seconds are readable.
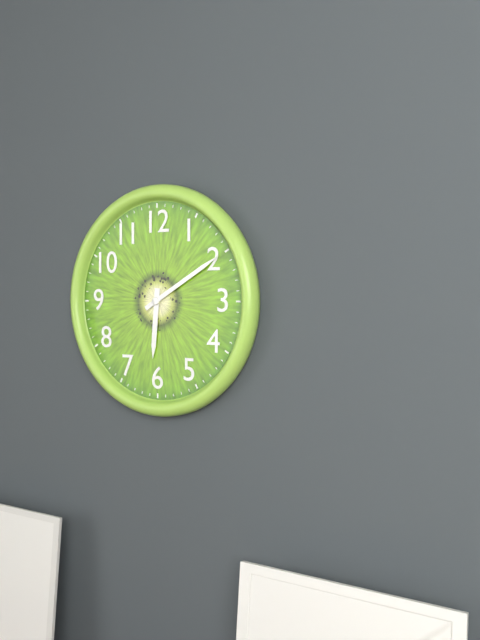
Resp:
**6:10**
